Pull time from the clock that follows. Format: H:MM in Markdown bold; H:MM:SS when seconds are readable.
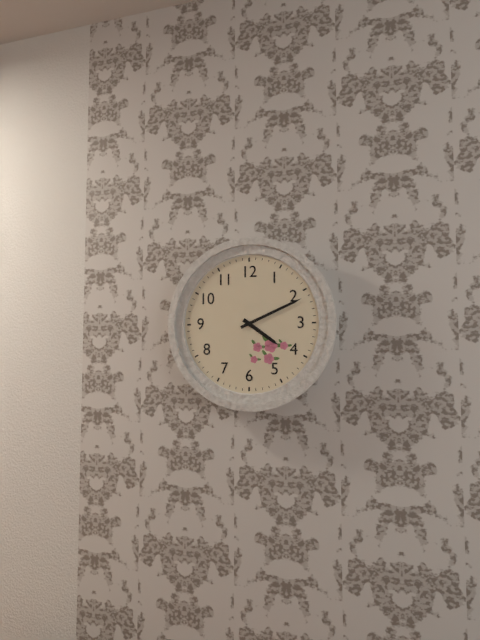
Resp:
**4:11**
